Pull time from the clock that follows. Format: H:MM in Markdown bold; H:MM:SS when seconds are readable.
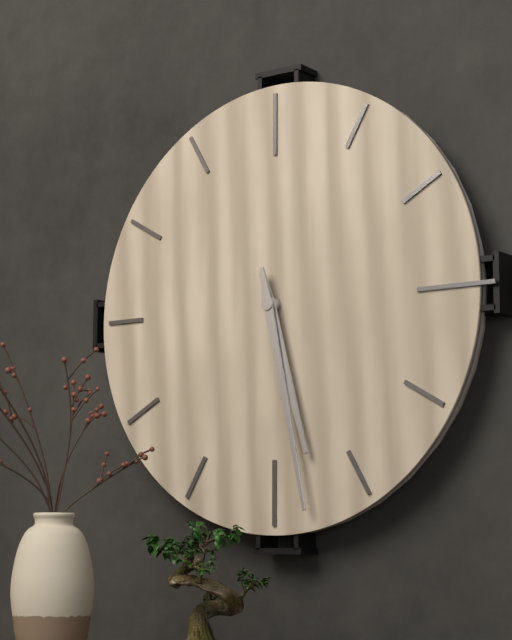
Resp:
**5:28**
